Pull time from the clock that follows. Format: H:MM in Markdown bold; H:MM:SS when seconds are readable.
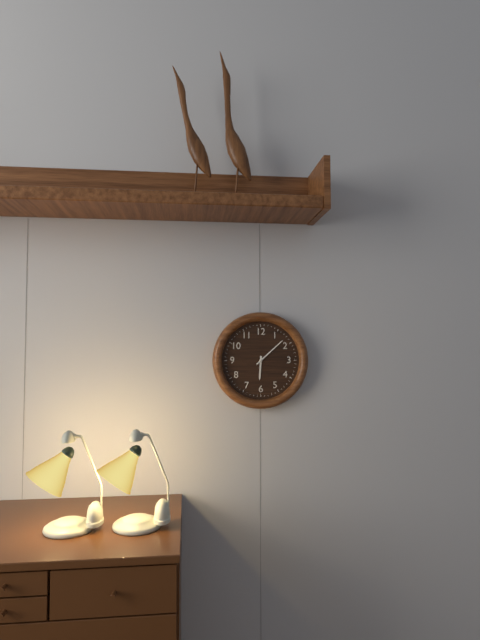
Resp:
**6:08**
